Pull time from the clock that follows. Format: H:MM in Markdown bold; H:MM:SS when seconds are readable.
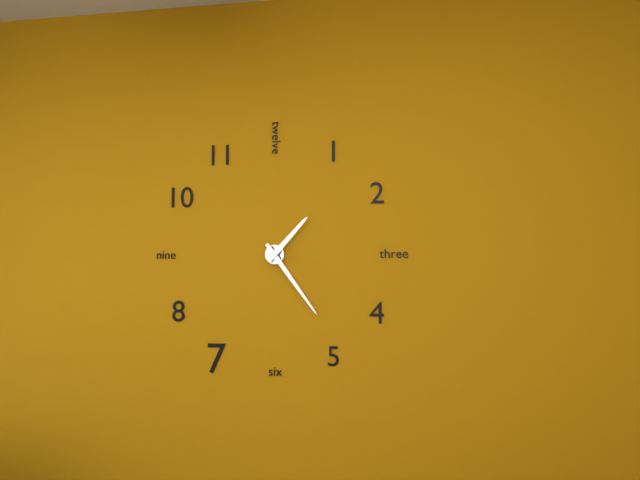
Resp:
**1:24**
